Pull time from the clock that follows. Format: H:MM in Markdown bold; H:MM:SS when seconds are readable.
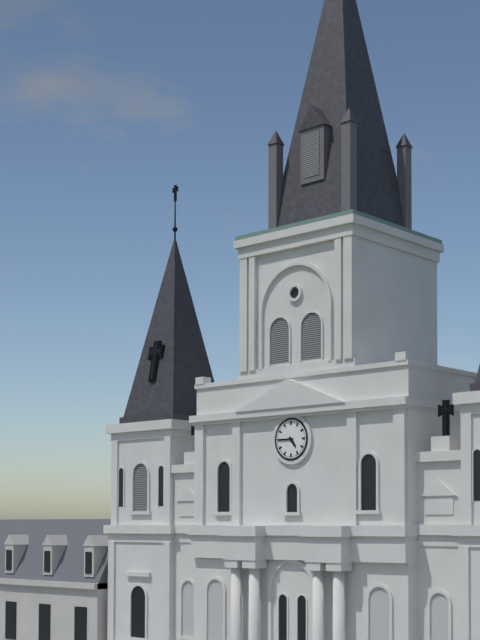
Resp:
**4:45**
